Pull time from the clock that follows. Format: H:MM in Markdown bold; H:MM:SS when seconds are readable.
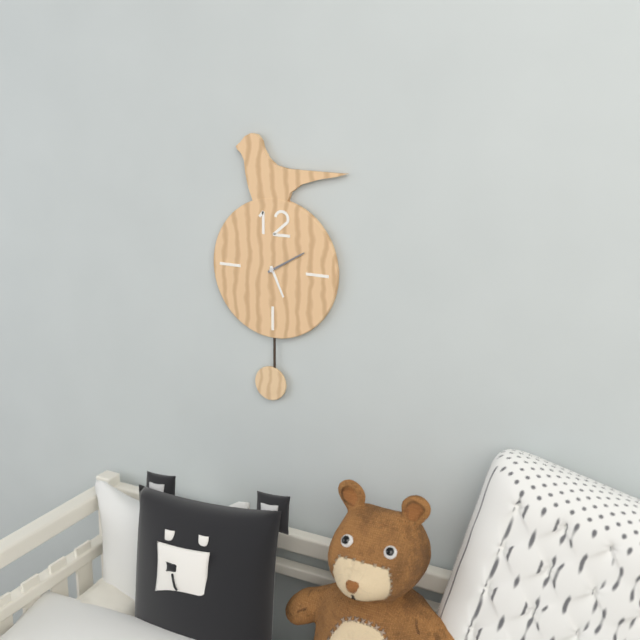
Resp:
**5:10**
